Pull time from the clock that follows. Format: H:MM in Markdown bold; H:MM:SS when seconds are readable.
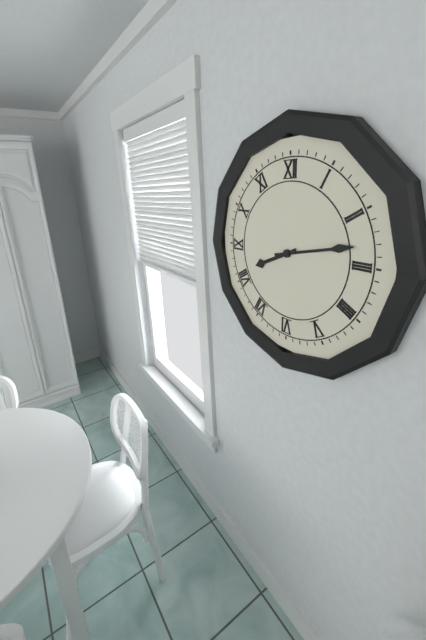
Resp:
**8:13**
